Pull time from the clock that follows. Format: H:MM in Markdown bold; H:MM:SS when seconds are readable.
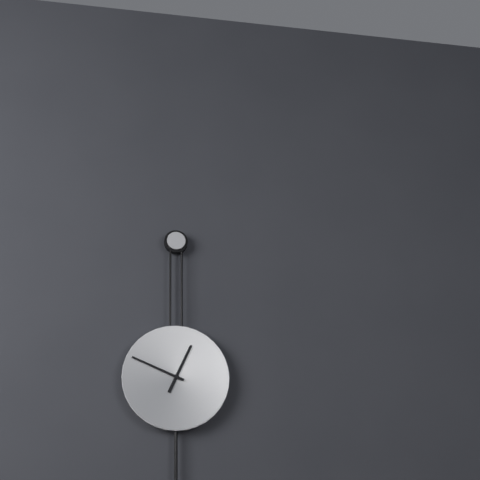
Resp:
**12:49**
